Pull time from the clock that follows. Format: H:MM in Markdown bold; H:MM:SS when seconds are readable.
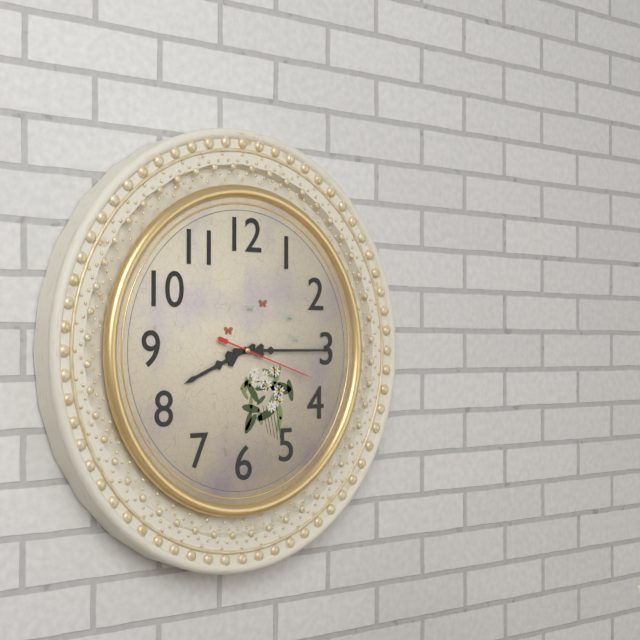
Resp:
**8:15:18**
